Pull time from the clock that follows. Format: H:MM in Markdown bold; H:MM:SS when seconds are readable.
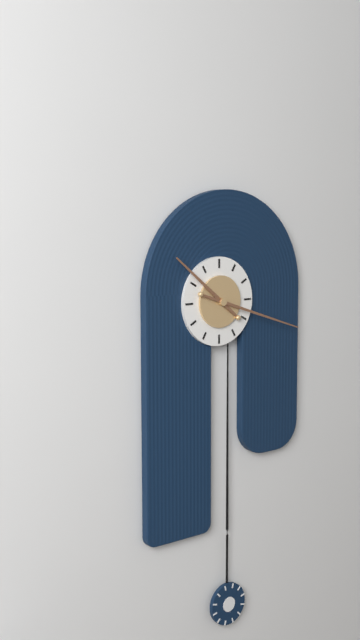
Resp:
**10:18**
